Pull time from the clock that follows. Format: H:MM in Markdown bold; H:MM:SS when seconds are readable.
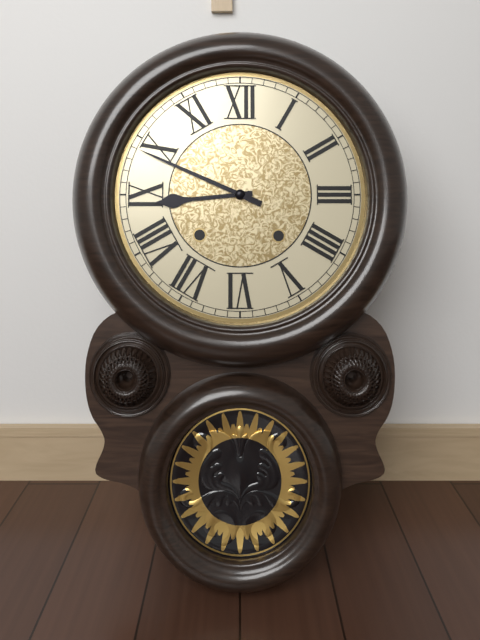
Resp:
**8:49**
